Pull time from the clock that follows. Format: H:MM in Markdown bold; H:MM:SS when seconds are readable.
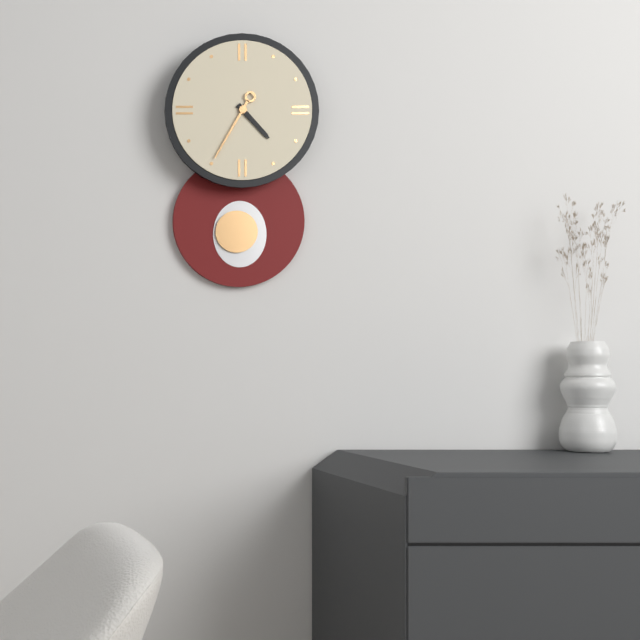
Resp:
**4:35**
